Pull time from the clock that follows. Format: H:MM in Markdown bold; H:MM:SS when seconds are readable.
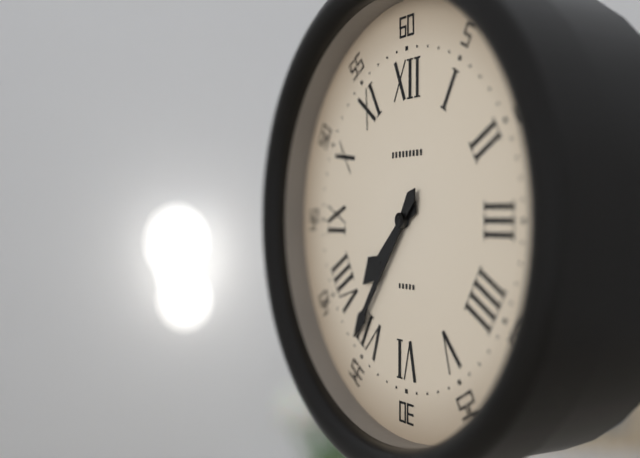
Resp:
**7:36**
